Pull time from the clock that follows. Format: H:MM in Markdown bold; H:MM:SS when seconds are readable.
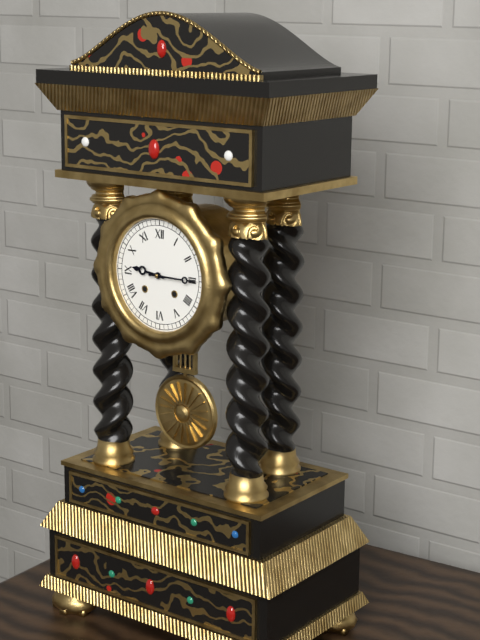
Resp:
**9:15**
